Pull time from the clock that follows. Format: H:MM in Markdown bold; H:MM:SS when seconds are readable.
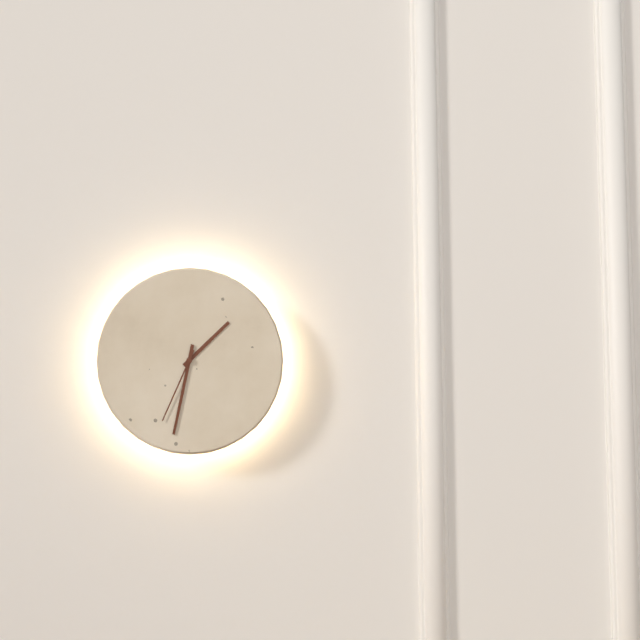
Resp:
**1:32:34**
